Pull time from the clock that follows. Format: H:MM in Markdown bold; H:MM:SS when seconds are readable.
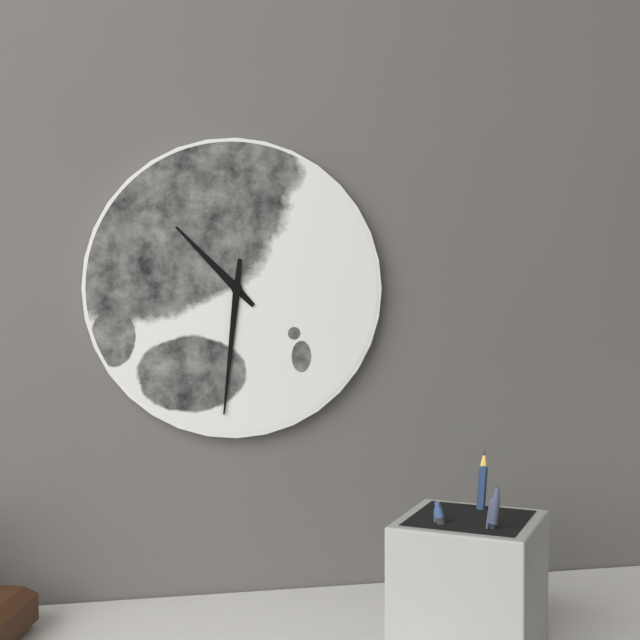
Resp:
**10:31**
